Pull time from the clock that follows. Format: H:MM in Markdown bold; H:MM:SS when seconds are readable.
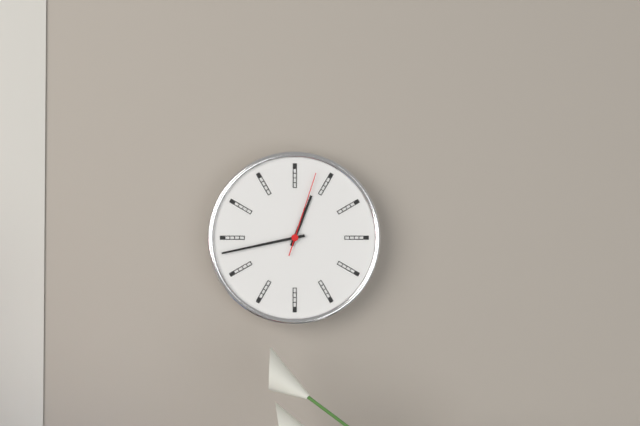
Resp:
**12:43:03**
